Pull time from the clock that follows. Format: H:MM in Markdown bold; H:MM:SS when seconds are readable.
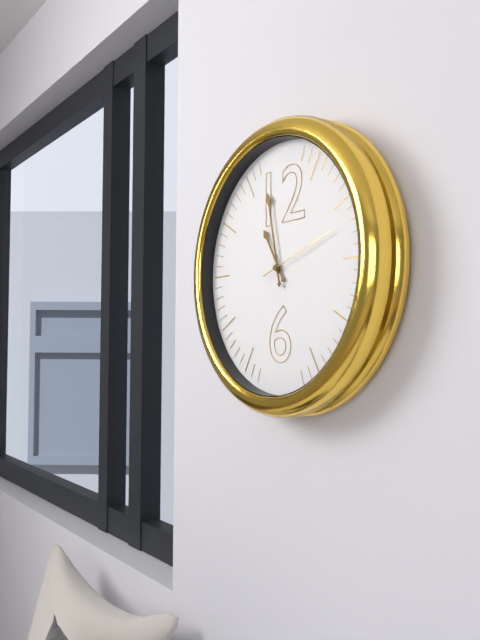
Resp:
**10:58:12**
